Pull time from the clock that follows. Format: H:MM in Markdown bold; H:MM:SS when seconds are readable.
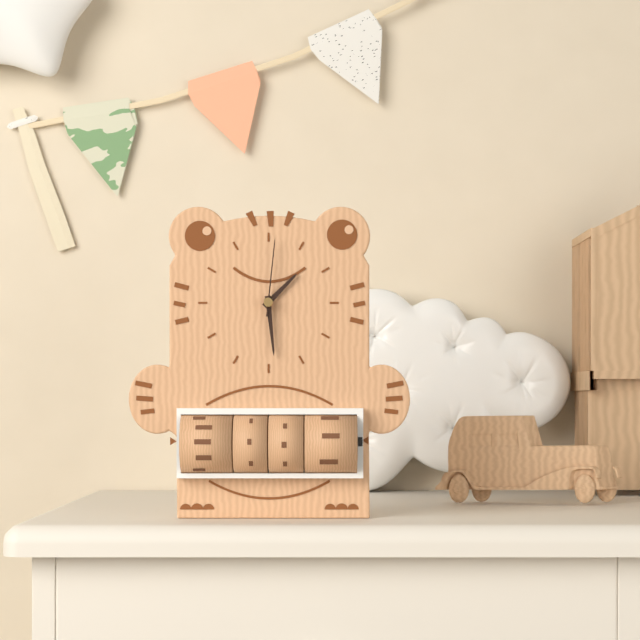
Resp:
**1:29:01**
